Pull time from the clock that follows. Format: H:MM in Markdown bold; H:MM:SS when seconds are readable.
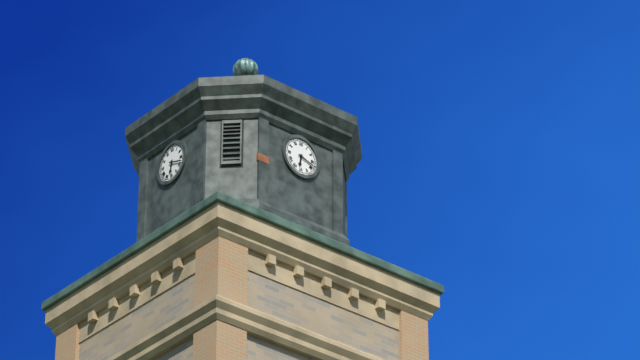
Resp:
**6:18**
